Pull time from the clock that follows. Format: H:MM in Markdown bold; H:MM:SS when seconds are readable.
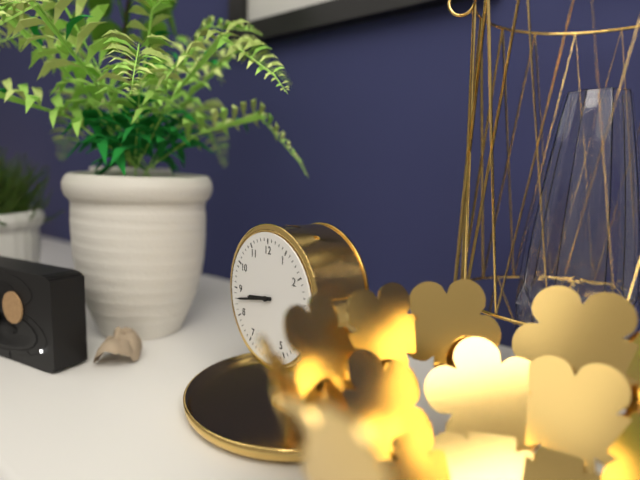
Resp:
**8:43**
